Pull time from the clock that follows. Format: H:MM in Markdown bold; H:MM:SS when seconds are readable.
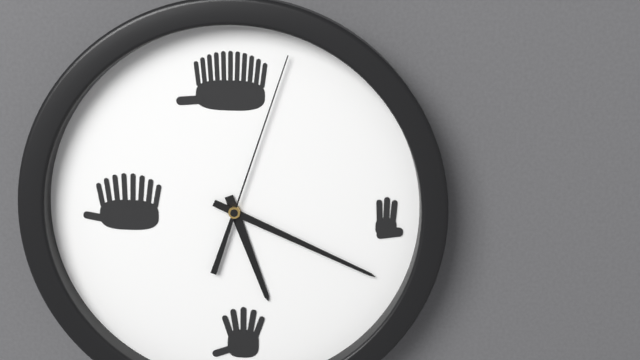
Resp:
**5:19:03**
